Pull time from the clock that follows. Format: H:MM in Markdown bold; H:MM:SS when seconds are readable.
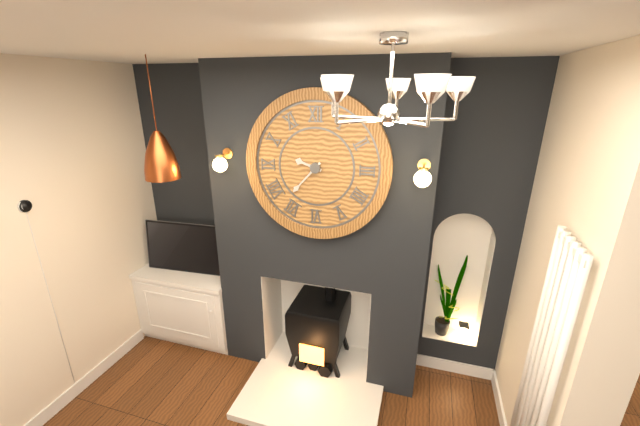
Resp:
**9:37**
